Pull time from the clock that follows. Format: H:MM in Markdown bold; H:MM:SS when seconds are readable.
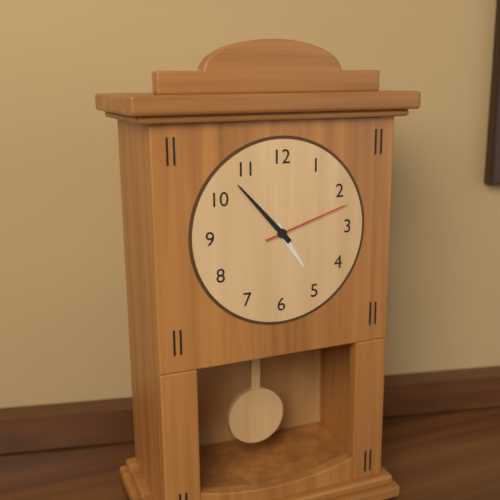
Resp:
**4:53:12**
